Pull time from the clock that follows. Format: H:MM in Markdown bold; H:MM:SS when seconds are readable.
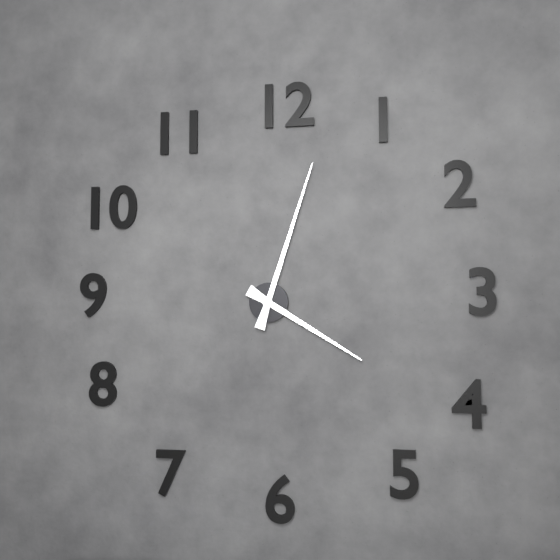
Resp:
**4:03**
